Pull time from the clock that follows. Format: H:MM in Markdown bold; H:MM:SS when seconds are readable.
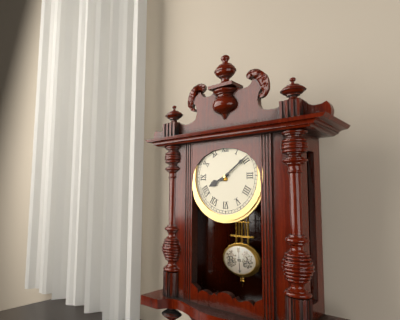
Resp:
**8:09**
